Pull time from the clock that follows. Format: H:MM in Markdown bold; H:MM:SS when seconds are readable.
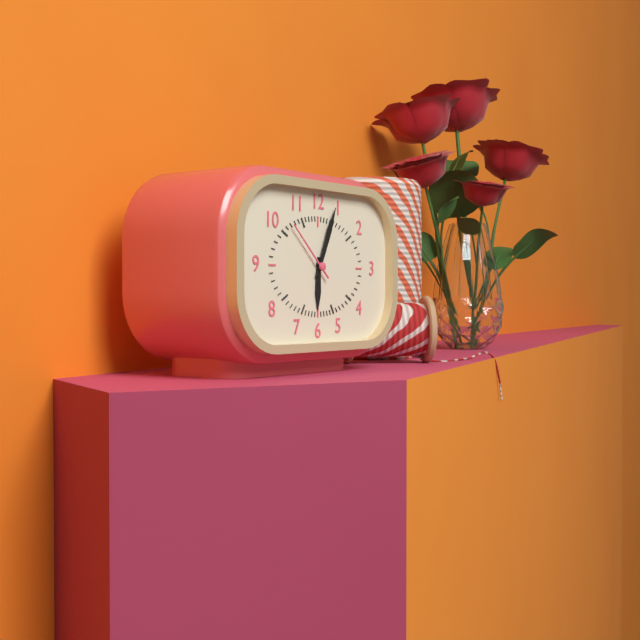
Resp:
**6:04:52**
